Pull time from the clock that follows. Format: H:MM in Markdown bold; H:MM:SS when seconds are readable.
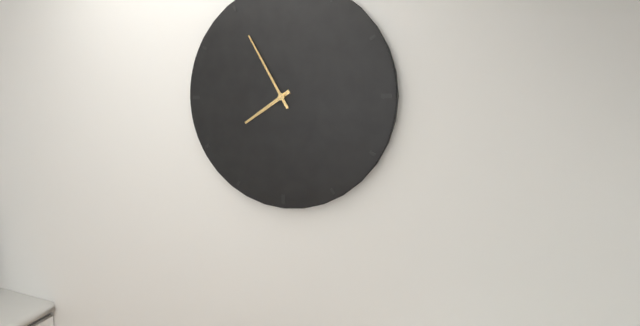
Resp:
**7:55**
